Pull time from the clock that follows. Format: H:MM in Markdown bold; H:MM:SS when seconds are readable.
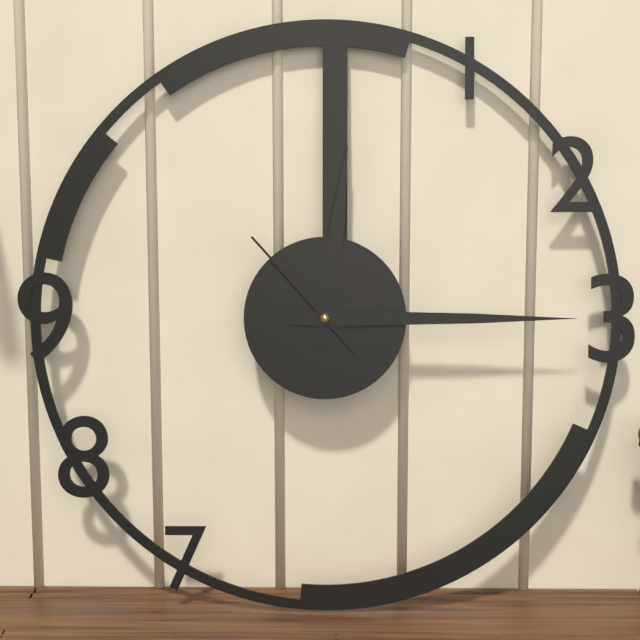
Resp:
**12:15:53**
